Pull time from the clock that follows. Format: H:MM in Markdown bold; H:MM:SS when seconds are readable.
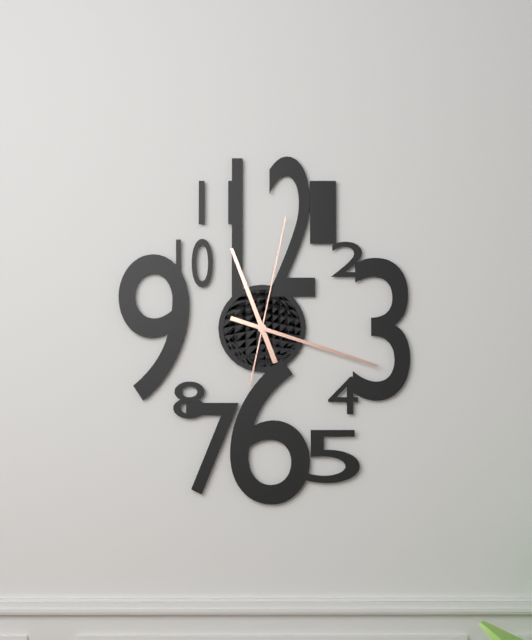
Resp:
**11:18:02**
